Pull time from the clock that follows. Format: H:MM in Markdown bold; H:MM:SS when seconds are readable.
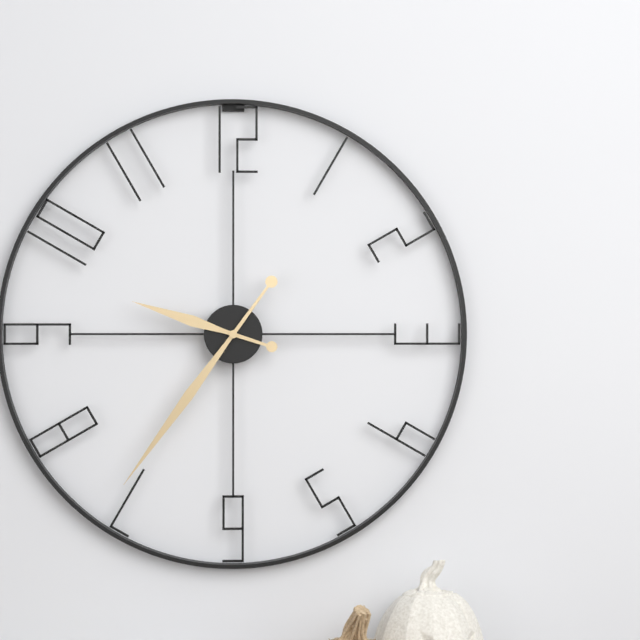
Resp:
**9:36**
